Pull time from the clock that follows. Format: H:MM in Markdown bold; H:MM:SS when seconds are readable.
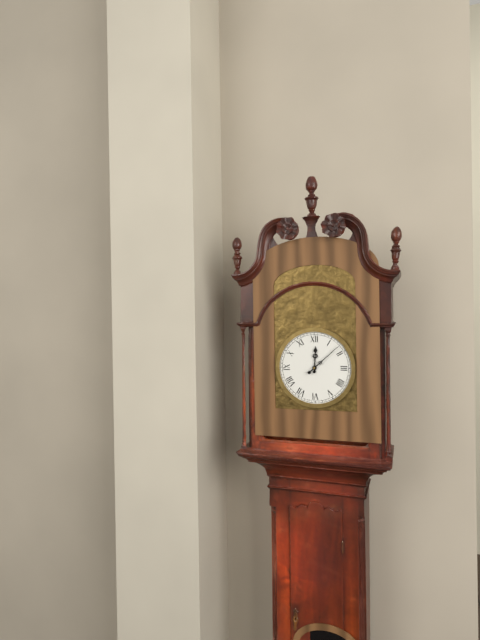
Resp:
**12:08**
